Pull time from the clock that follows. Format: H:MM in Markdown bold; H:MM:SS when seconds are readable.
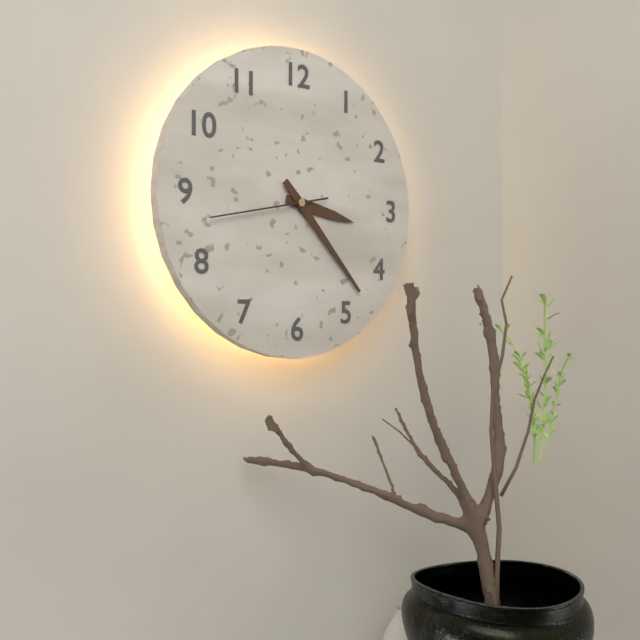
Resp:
**3:23:43**
